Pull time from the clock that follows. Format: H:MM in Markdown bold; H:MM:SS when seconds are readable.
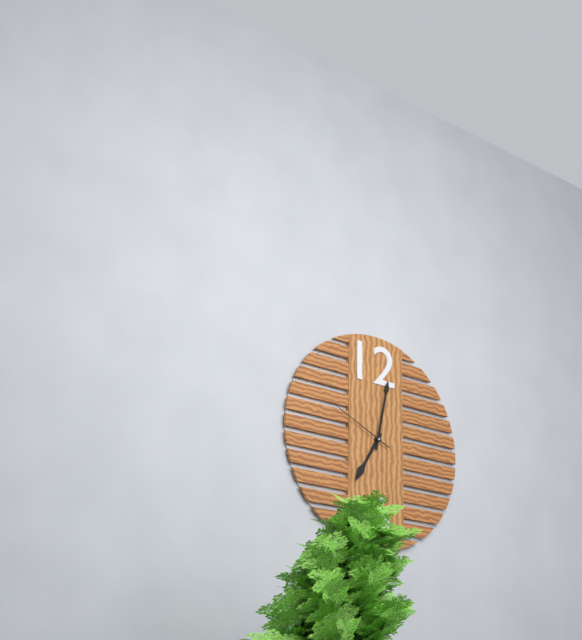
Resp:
**7:02:49**
